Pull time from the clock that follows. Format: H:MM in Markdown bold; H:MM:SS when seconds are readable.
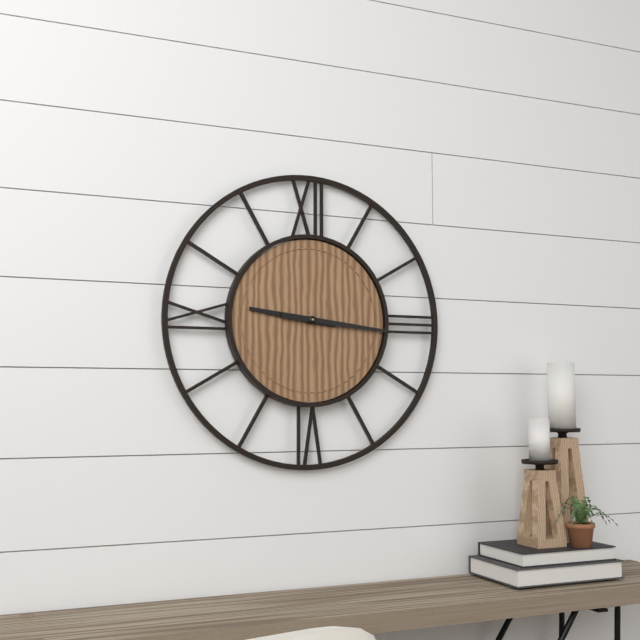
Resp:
**9:16**
